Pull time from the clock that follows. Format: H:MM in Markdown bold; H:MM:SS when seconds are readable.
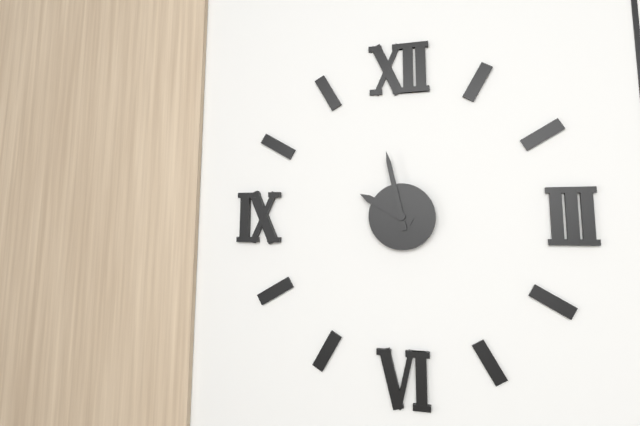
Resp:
**9:58**
